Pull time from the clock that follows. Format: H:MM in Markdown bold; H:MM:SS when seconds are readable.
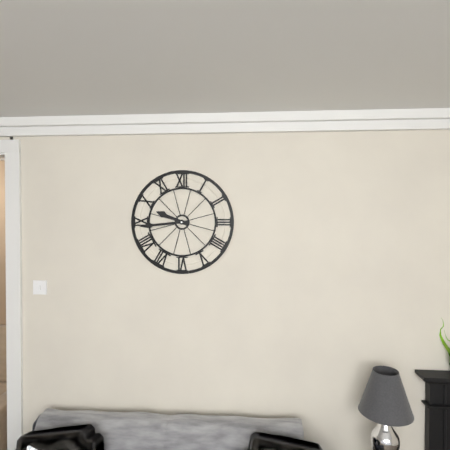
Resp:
**9:44**
